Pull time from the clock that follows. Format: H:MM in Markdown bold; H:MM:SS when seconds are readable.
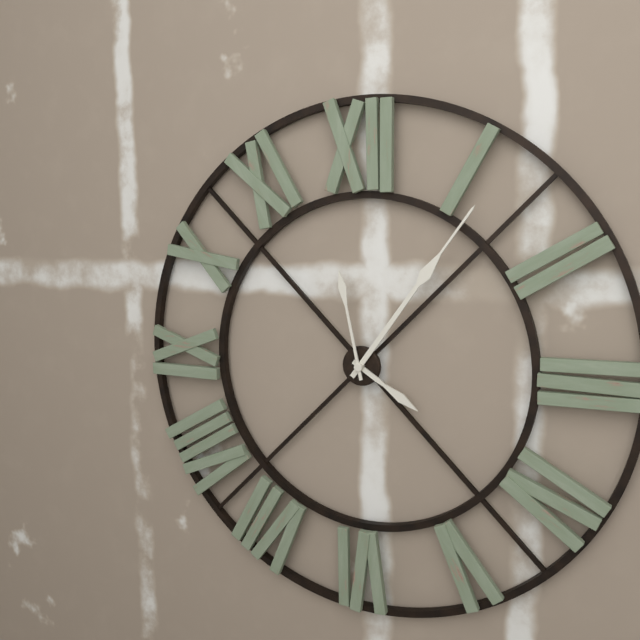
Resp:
**4:06:58**
